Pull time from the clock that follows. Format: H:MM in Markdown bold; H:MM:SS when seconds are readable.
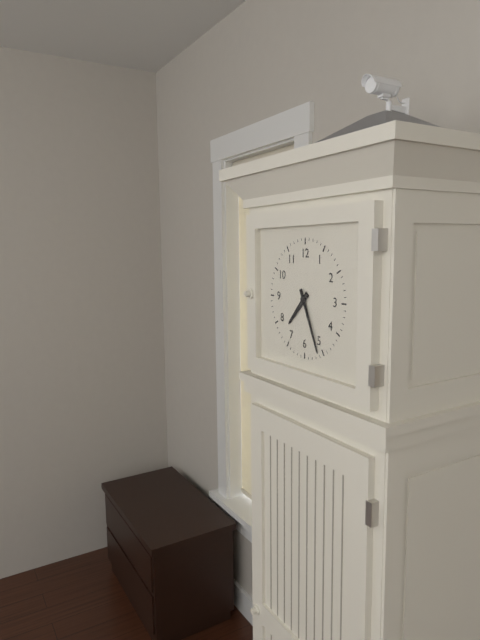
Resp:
**7:26**
